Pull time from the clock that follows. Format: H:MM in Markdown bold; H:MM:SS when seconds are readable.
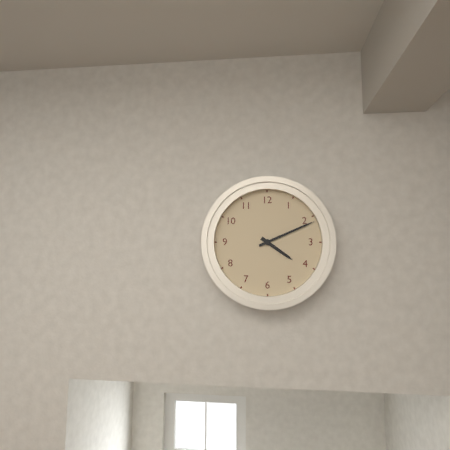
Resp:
**4:11**
